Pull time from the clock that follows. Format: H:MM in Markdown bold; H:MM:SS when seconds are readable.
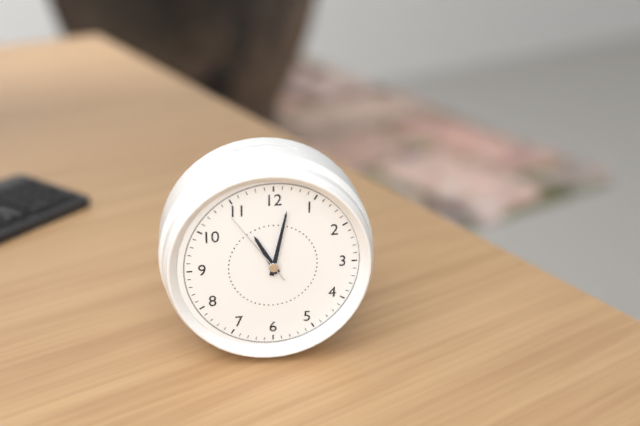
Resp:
**11:02:54**
